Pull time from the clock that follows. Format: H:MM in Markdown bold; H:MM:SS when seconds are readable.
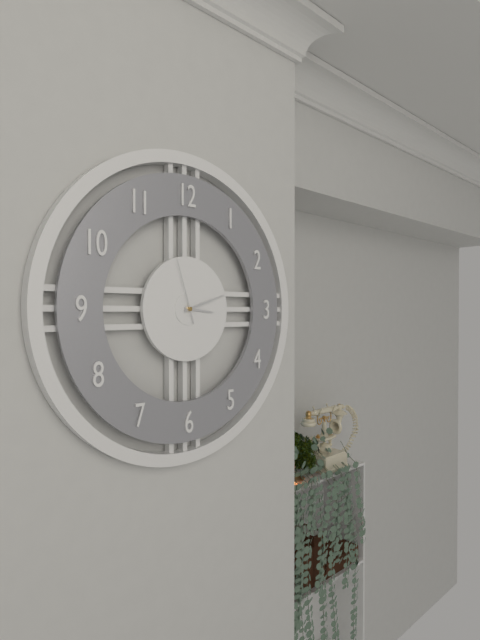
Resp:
**3:12:57**
